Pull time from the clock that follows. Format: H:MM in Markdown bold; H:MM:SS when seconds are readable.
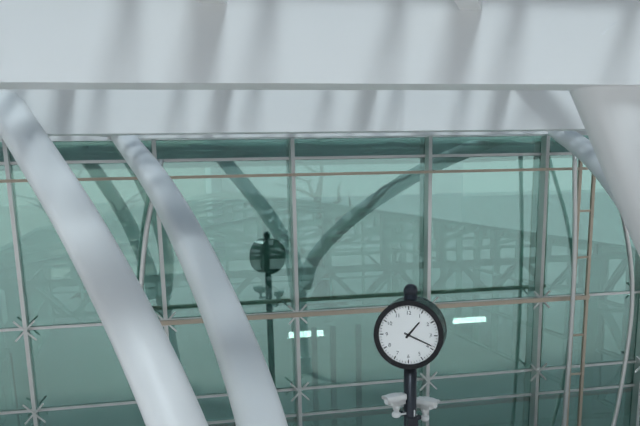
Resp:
**1:19**
